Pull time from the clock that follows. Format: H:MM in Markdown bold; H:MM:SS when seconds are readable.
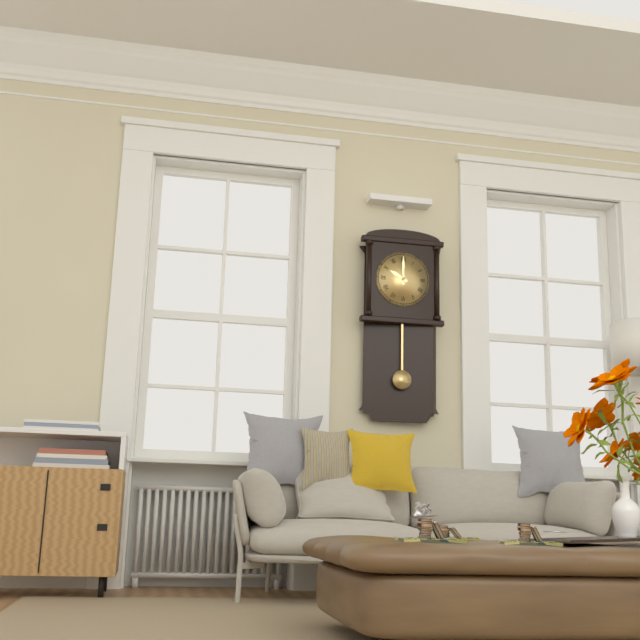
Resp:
**10:00**
